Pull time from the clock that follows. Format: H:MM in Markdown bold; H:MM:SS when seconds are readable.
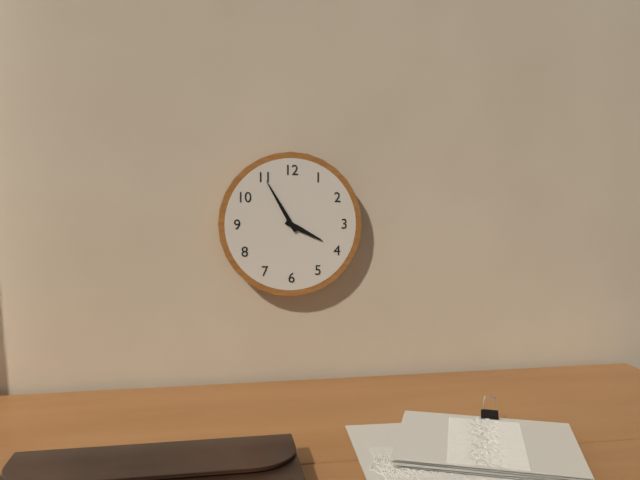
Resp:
**3:55**
